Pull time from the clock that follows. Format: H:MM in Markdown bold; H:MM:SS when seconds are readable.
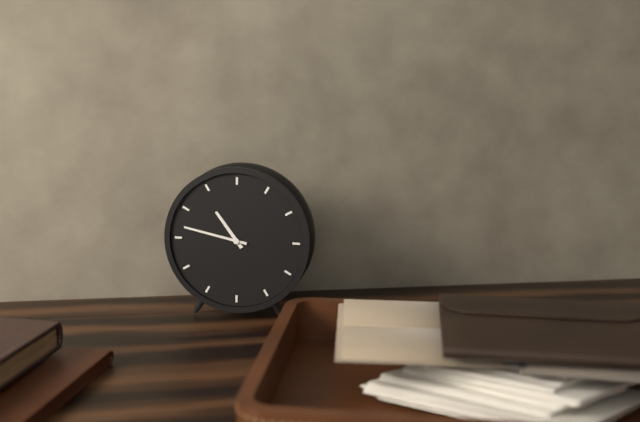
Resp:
**10:47**
